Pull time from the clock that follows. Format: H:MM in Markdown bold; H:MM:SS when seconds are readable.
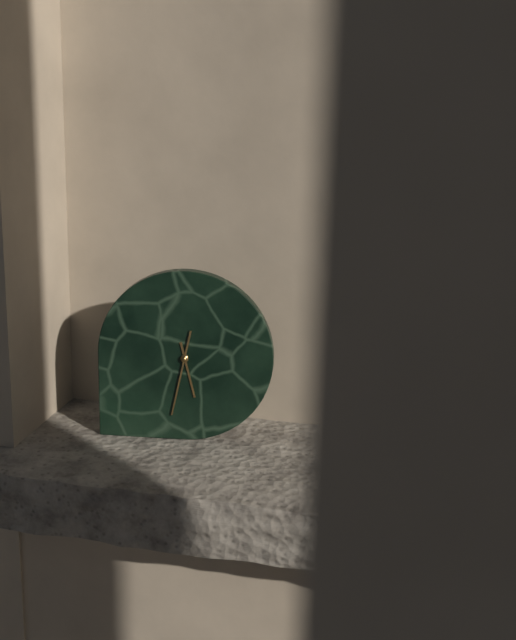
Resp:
**5:32**
